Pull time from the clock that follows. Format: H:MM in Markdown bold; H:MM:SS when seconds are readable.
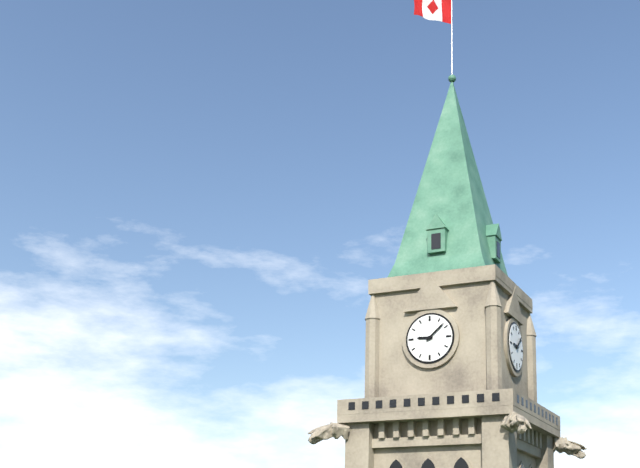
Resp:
**9:08**
